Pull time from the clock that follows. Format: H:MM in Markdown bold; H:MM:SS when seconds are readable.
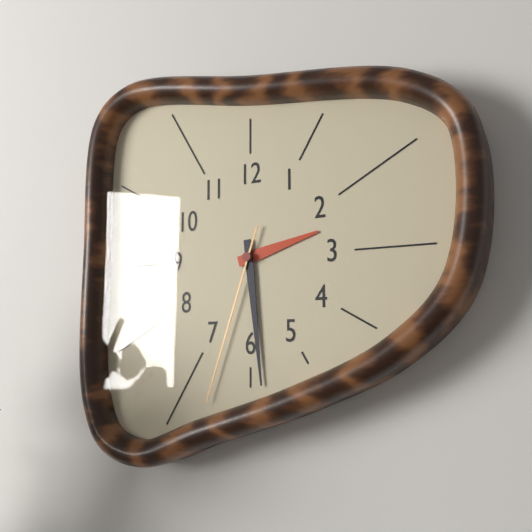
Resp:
**2:29:33**
